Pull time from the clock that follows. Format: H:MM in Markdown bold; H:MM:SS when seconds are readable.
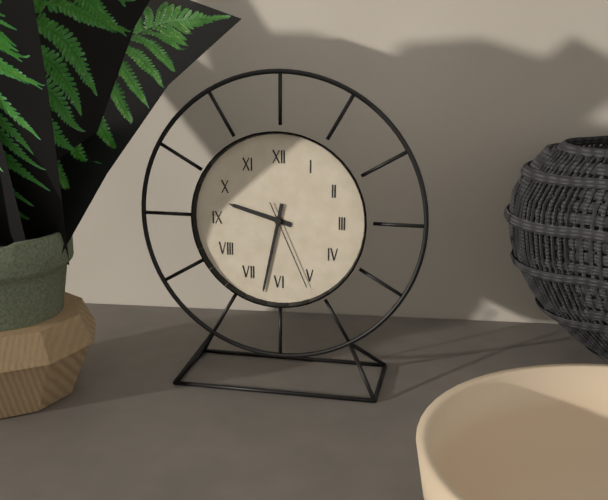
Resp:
**9:32:26**
